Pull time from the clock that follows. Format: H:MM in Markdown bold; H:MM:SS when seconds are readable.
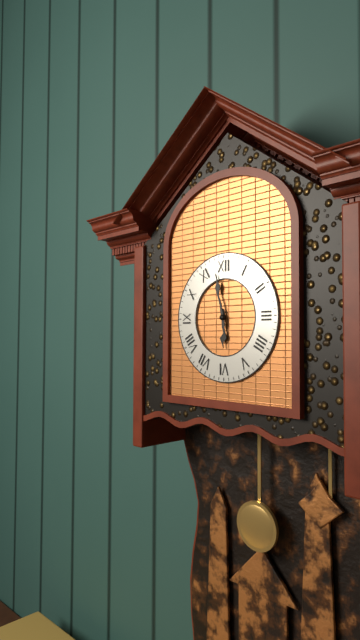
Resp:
**5:58**
